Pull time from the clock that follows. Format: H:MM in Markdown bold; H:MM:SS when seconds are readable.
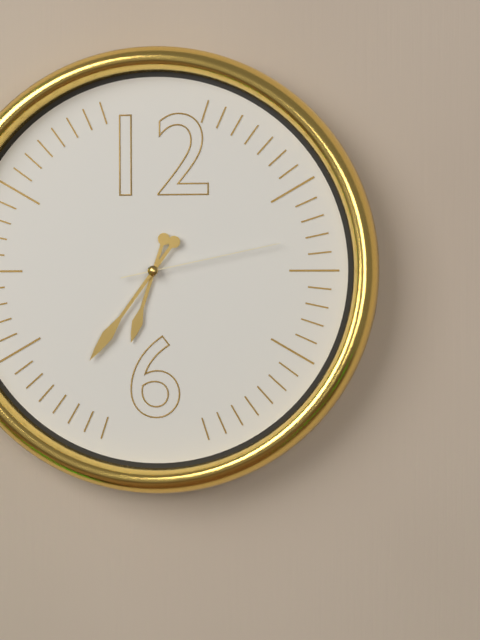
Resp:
**6:36:13**
